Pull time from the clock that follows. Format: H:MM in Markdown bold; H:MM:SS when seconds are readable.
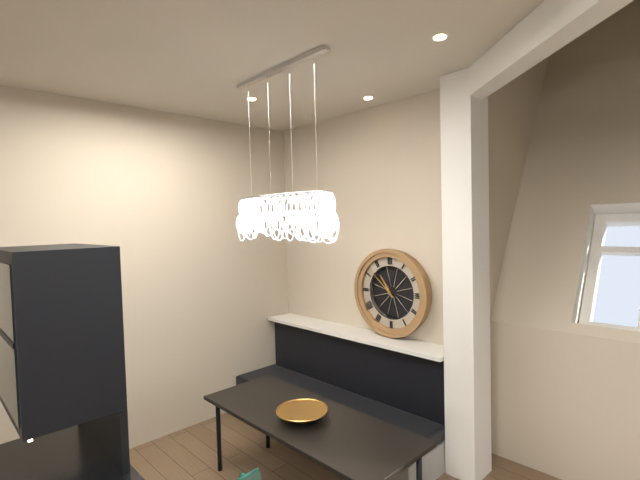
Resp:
**10:52**
